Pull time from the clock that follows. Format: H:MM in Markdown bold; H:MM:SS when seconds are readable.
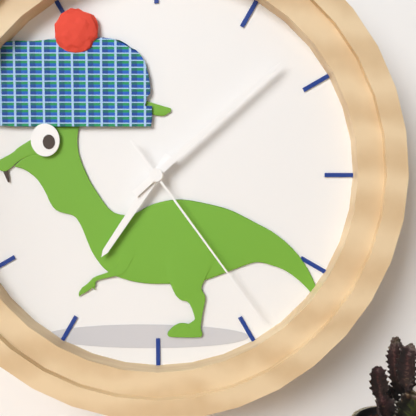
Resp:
**7:08:24**
